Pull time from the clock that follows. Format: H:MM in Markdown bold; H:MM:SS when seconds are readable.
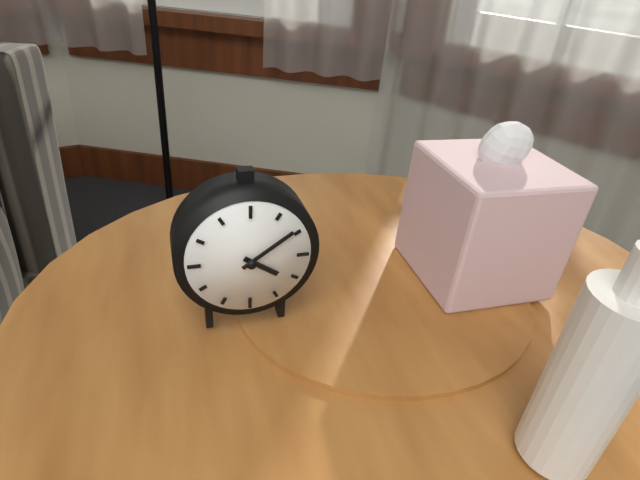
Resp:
**4:09**
